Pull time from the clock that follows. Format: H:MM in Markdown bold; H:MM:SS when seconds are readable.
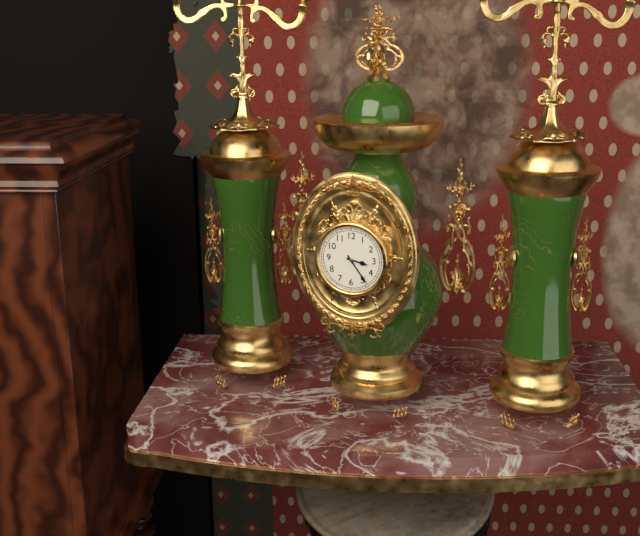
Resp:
**3:24**
